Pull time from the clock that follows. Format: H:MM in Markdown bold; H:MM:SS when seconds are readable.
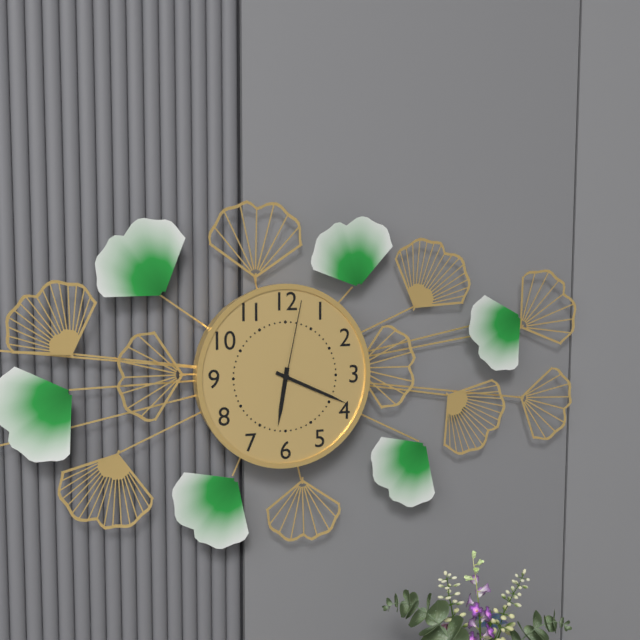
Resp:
**6:19:02**
